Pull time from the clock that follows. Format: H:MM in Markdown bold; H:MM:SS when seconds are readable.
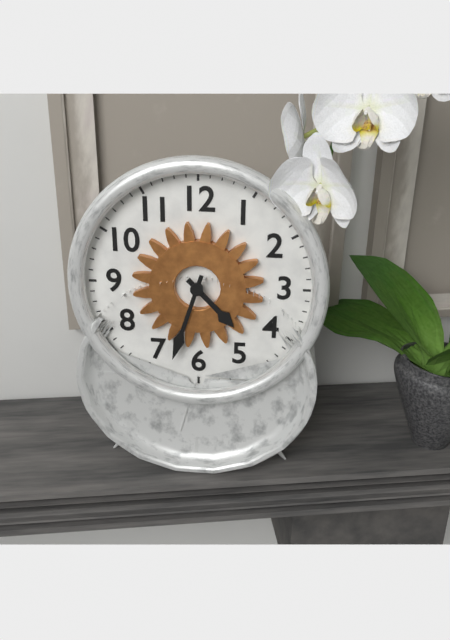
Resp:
**4:33**
